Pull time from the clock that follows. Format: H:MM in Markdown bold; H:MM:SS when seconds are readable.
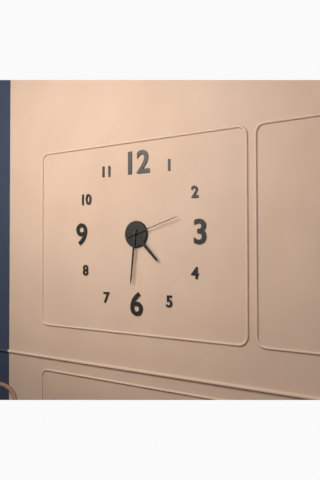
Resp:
**4:31:12**
